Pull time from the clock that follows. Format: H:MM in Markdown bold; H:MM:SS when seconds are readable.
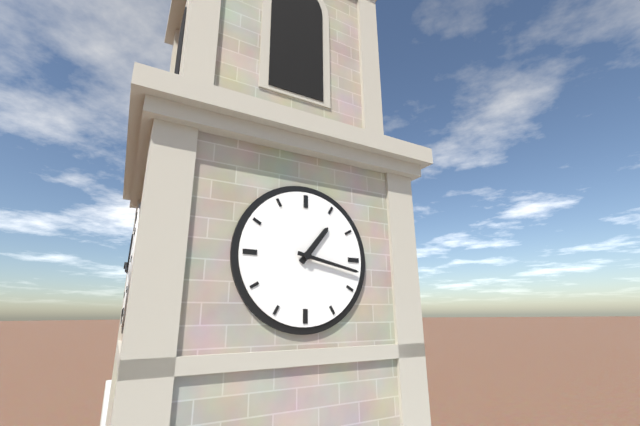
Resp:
**1:17**
